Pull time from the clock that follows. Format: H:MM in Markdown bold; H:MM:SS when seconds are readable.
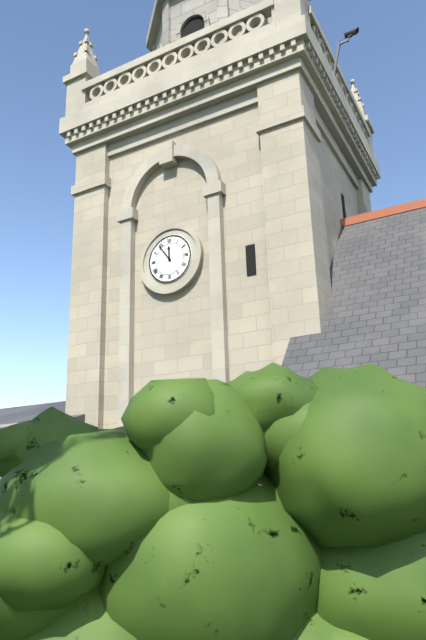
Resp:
**11:54**
